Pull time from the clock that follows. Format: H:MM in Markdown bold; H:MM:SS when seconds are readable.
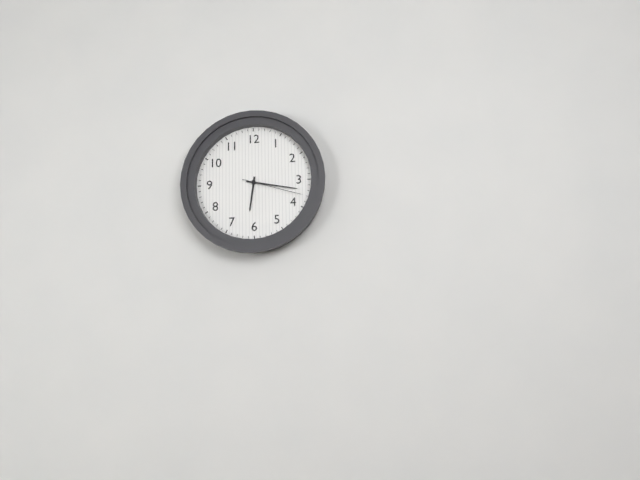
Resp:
**6:17:18**
